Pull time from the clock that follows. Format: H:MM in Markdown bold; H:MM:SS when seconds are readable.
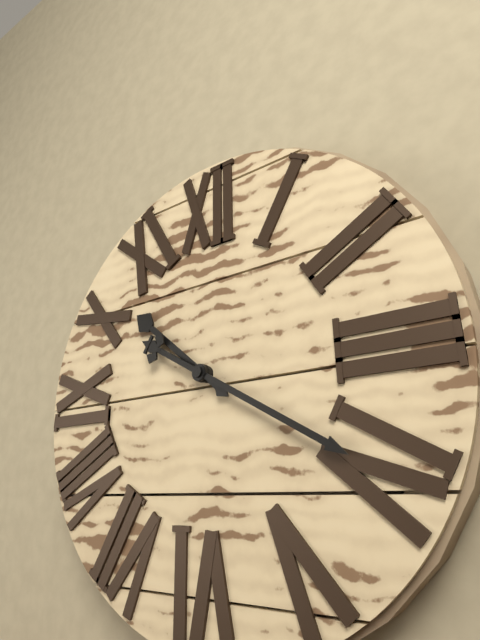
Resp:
**10:20**
